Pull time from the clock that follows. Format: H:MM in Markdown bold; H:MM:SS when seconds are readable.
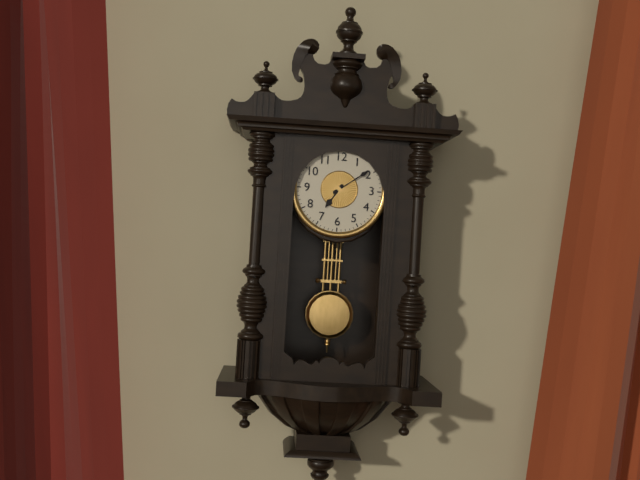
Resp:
**7:09**
